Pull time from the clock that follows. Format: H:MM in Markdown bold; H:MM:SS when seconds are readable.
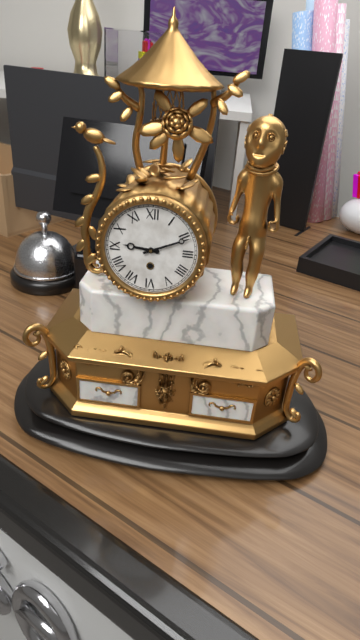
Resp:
**9:11**
